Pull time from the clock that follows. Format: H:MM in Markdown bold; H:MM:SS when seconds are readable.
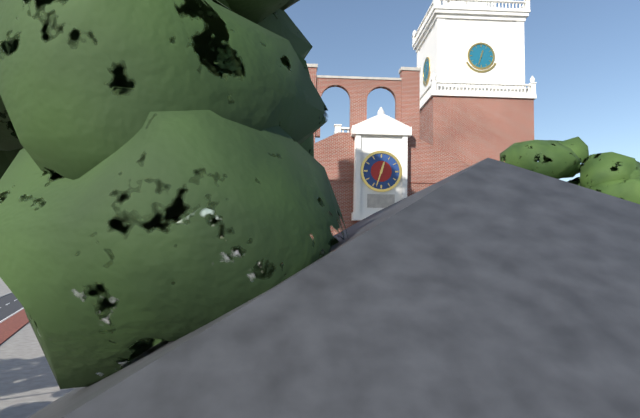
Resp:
**12:33**
